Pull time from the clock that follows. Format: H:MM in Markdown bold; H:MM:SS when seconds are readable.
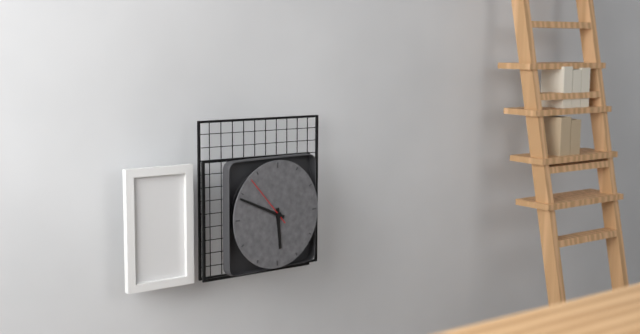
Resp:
**5:49:53**
